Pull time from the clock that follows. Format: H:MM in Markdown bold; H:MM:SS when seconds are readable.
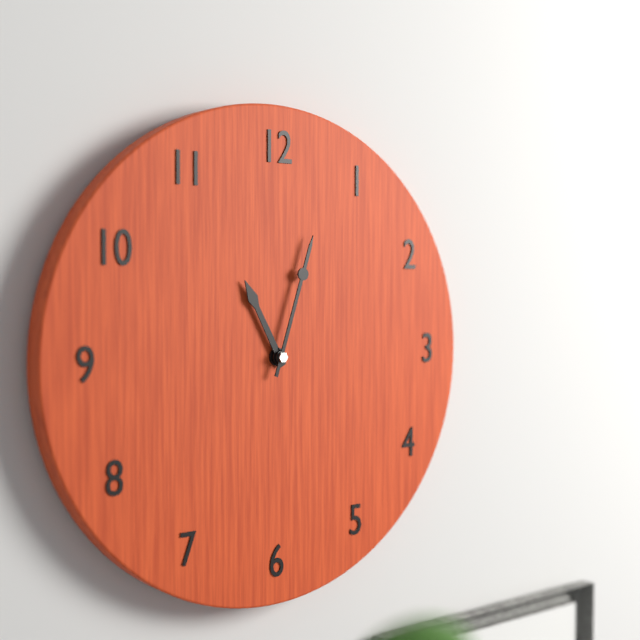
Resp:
**11:03**
